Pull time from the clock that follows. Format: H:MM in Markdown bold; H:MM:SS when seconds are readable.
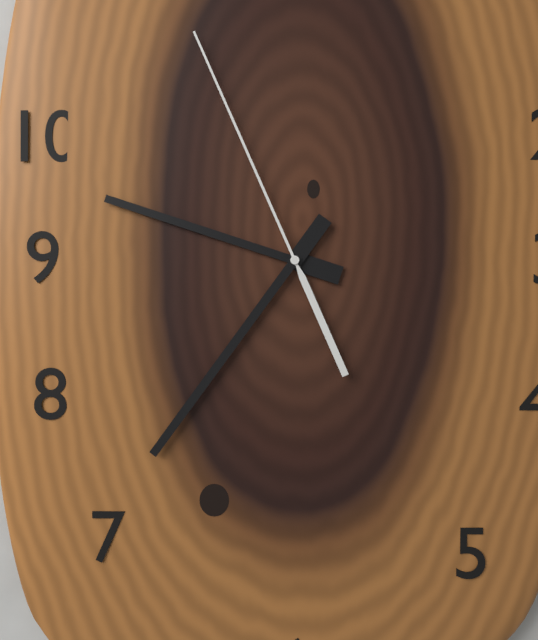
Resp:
**9:36:56**
